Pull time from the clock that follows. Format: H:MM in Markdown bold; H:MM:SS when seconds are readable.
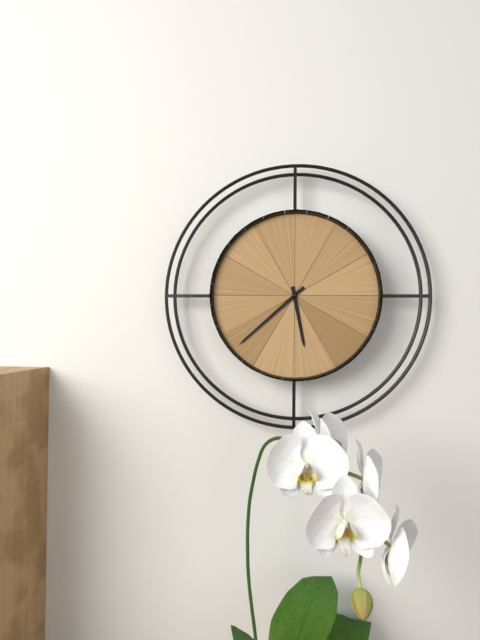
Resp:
**5:38**
